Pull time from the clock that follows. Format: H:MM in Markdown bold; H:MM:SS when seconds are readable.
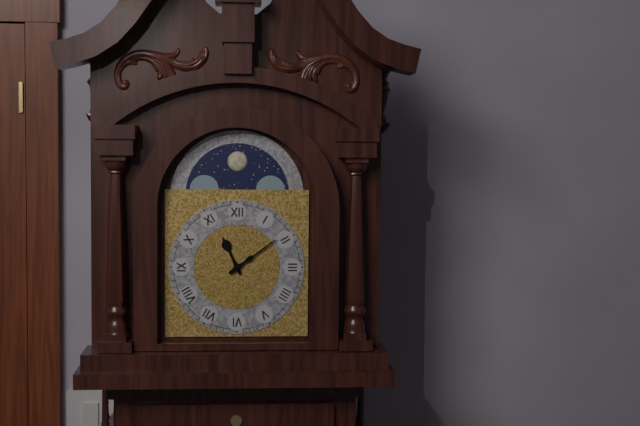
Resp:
**11:09**
